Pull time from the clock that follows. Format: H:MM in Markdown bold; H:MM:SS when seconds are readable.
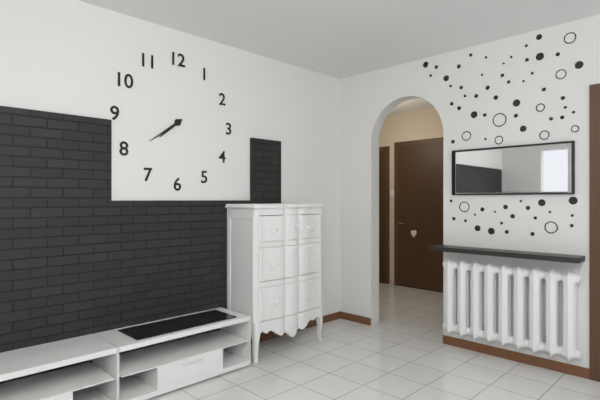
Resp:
**7:39**
